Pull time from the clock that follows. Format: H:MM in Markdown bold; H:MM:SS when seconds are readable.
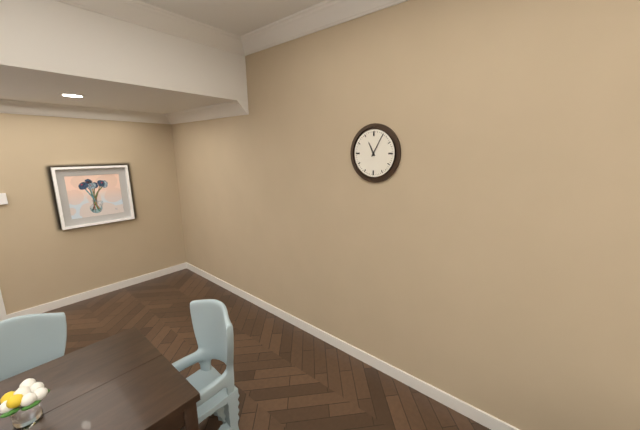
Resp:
**11:05**
